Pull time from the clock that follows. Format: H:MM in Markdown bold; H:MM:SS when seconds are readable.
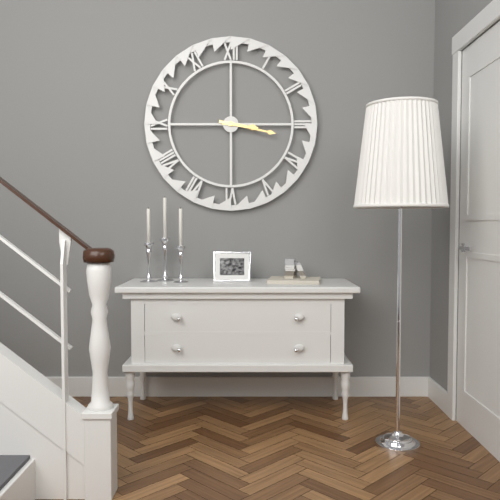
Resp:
**3:17**
